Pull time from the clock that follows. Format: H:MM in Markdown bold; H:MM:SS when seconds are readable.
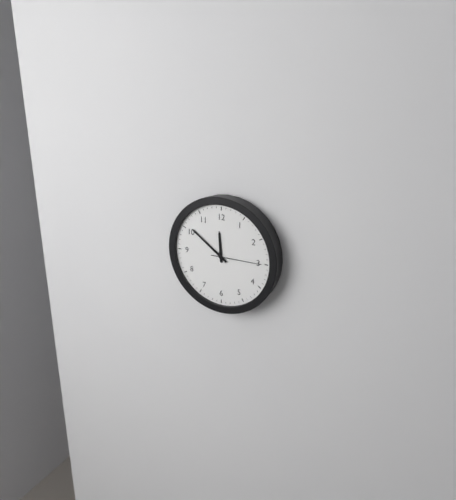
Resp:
**11:51:15**
